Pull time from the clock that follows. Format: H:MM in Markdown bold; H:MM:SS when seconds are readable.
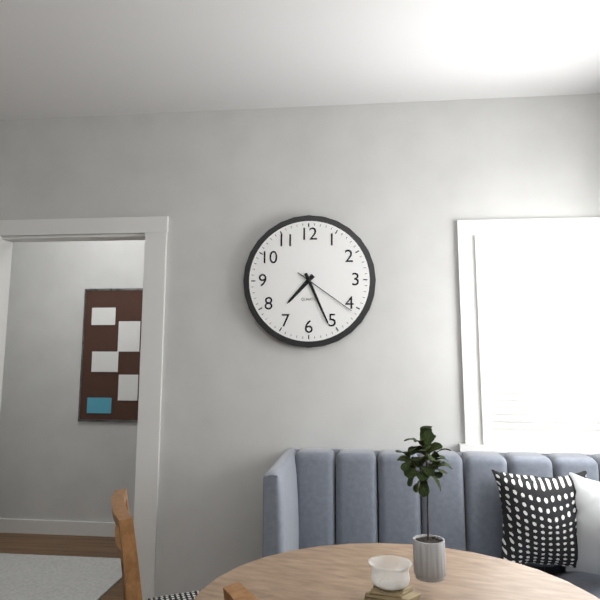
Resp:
**7:26:21**
